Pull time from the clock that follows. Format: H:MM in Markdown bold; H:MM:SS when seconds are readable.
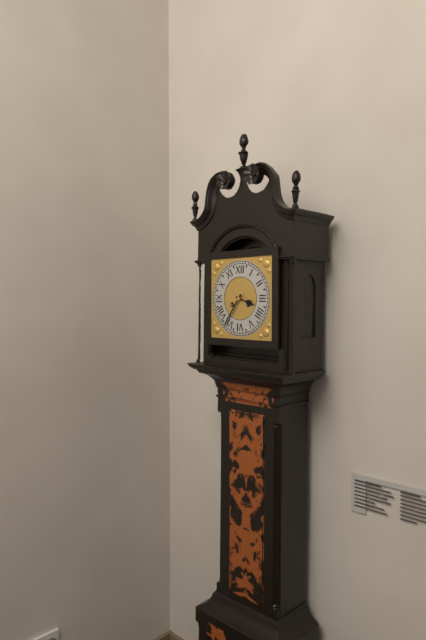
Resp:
**3:36**
